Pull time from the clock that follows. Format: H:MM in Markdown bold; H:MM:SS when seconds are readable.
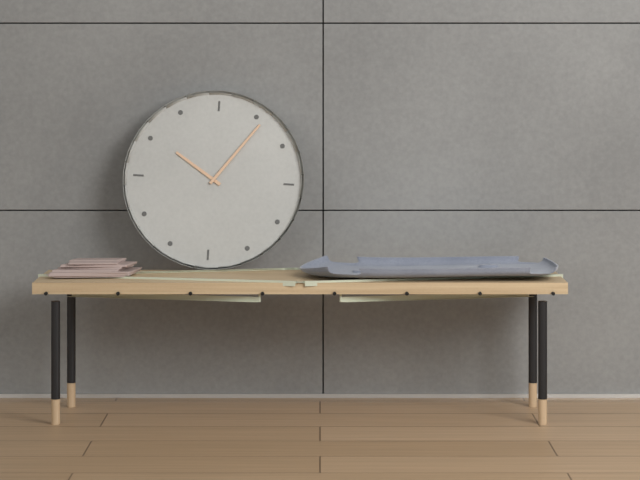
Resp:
**10:06**
